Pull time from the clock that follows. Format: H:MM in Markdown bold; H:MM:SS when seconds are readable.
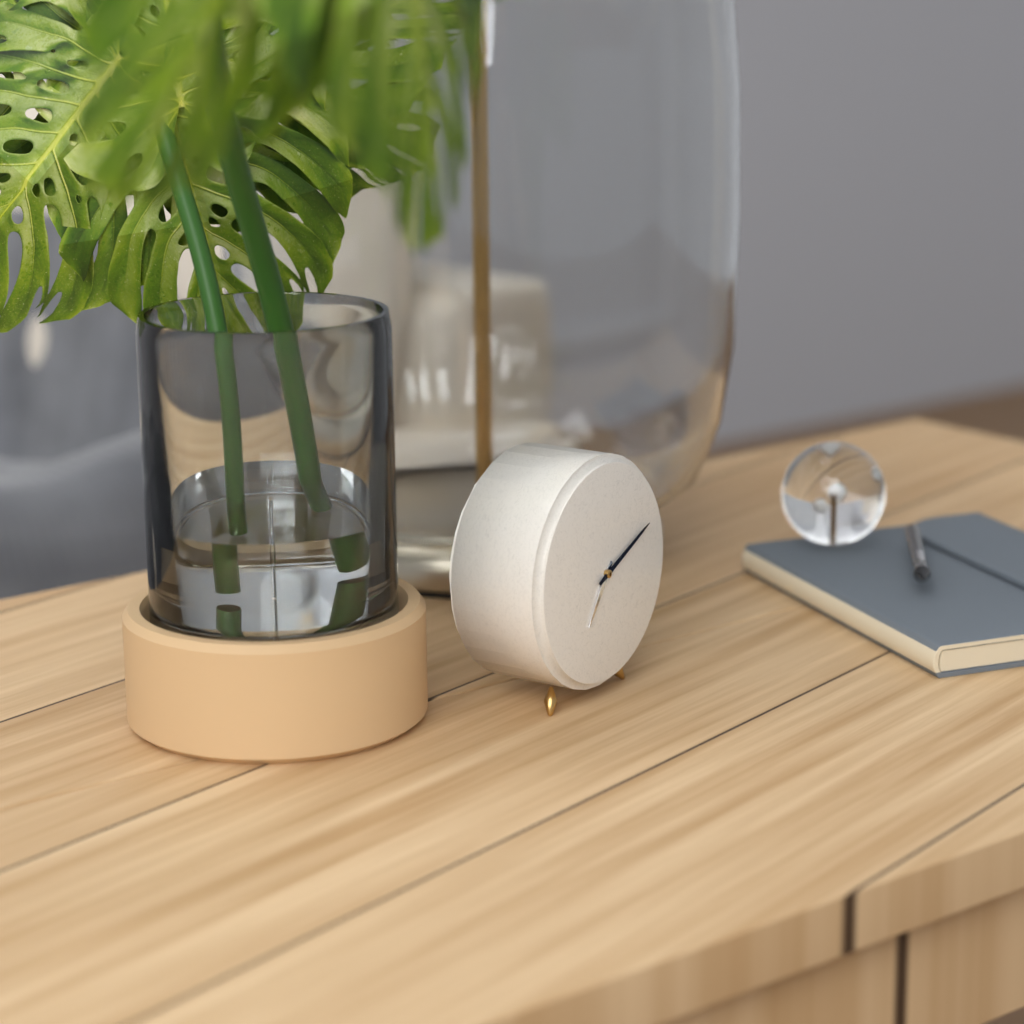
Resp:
**7:11**
